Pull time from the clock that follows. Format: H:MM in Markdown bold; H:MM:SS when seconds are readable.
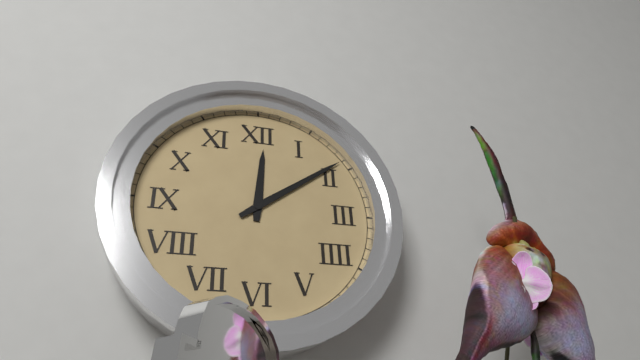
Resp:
**12:09**
